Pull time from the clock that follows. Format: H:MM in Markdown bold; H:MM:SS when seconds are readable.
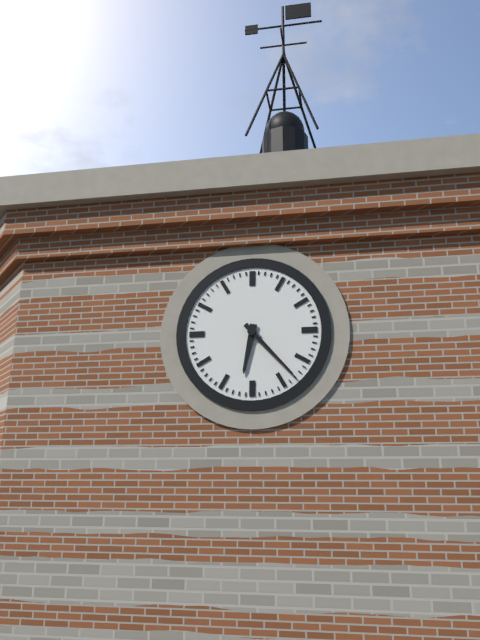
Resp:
**6:23**
